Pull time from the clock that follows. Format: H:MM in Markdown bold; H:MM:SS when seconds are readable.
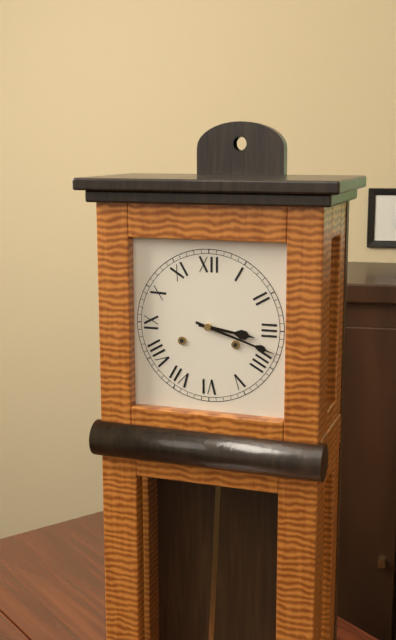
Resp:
**3:18**
